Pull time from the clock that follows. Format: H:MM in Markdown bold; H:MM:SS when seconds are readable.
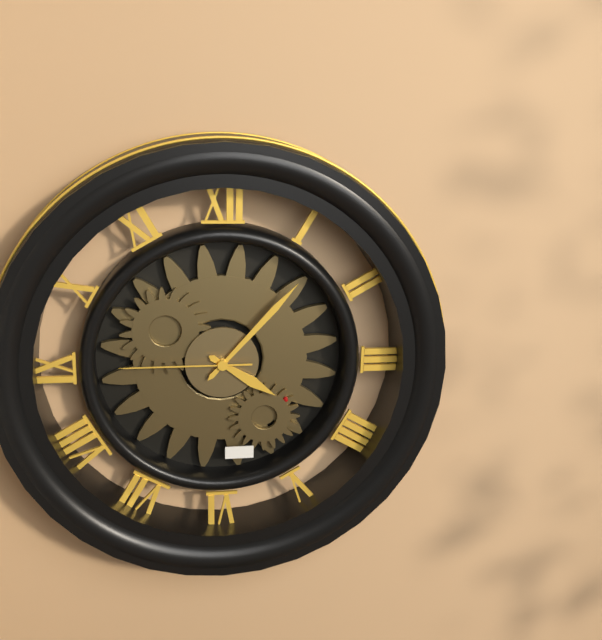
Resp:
**4:07:45**
